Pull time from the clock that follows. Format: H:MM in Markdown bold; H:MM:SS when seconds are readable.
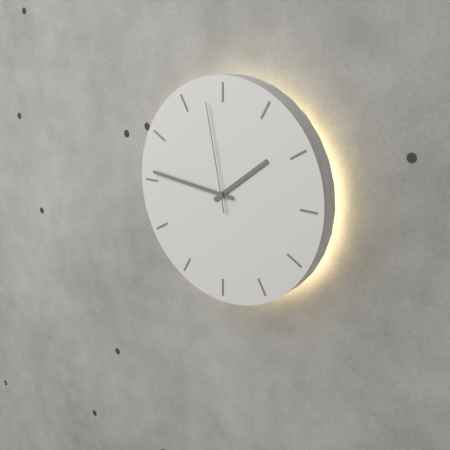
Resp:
**1:46:58**
